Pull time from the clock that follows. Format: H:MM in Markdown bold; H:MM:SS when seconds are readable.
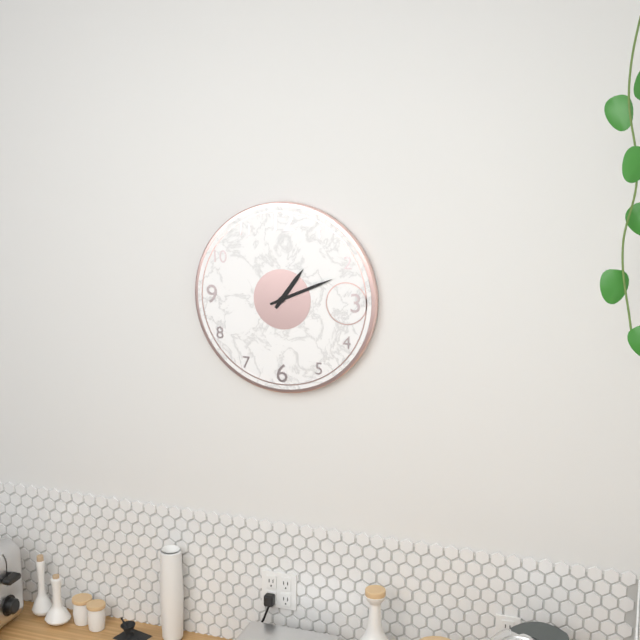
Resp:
**1:11**
